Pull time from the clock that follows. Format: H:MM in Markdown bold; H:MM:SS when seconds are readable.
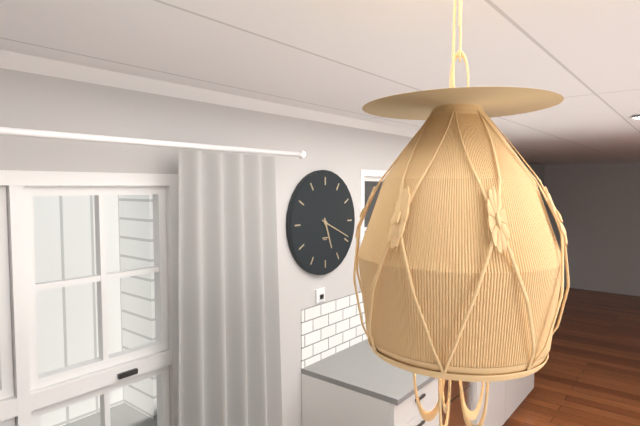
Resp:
**5:19**
